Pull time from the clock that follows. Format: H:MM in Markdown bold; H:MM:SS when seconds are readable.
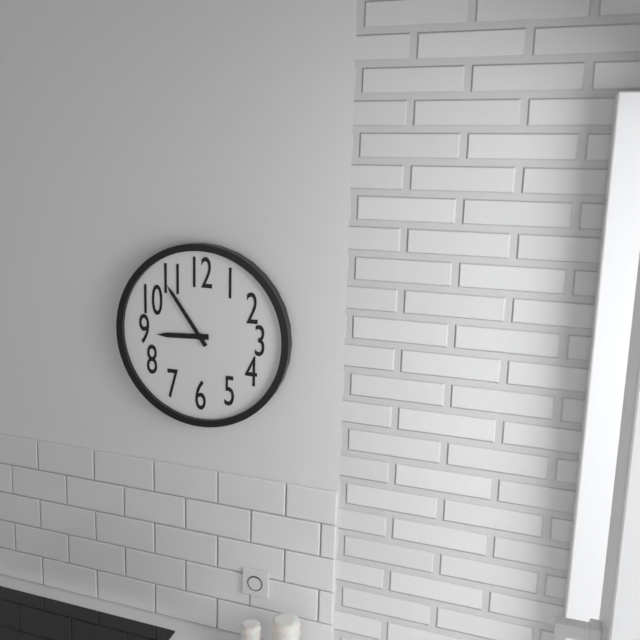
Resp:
**8:54**
